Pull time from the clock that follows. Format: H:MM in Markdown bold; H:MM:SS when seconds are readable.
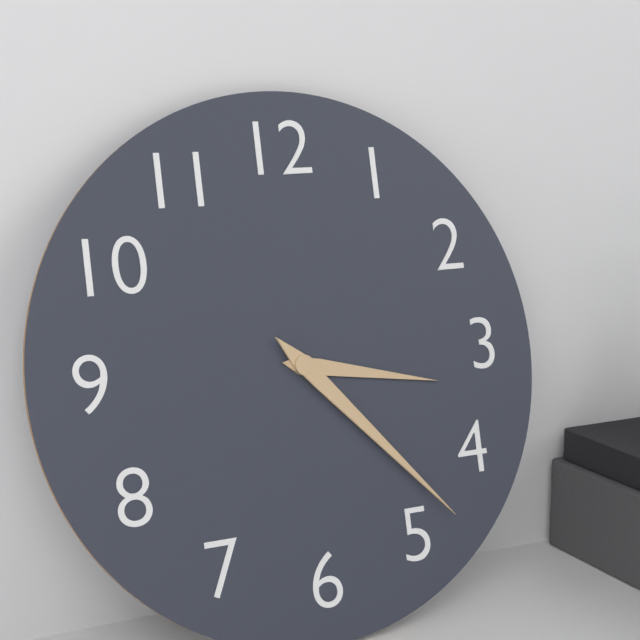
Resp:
**3:23**
